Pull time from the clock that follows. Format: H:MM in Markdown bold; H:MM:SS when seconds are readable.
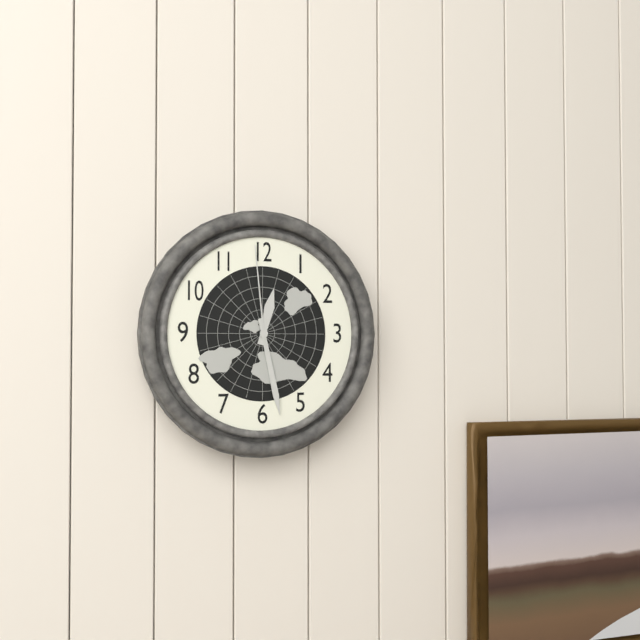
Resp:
**12:28:59**
